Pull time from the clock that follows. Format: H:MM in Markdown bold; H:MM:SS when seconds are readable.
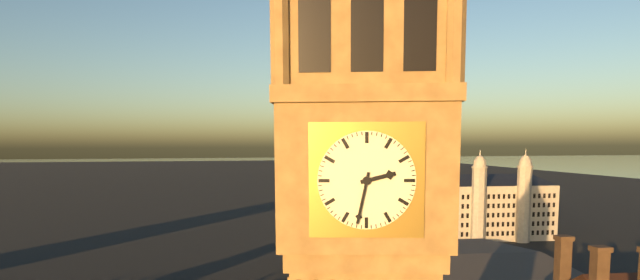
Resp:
**2:32**
